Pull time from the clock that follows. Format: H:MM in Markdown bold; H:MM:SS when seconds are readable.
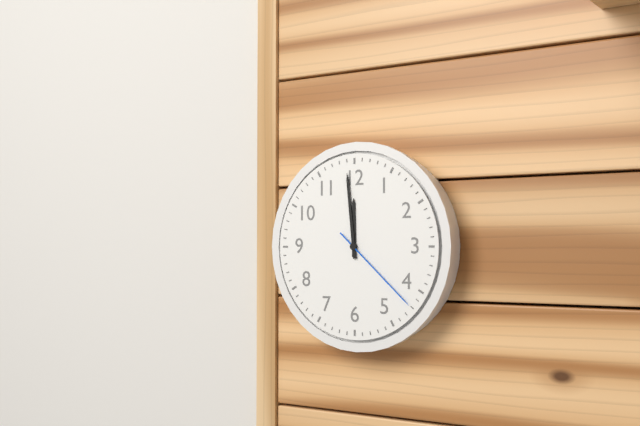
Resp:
**11:59:22**
